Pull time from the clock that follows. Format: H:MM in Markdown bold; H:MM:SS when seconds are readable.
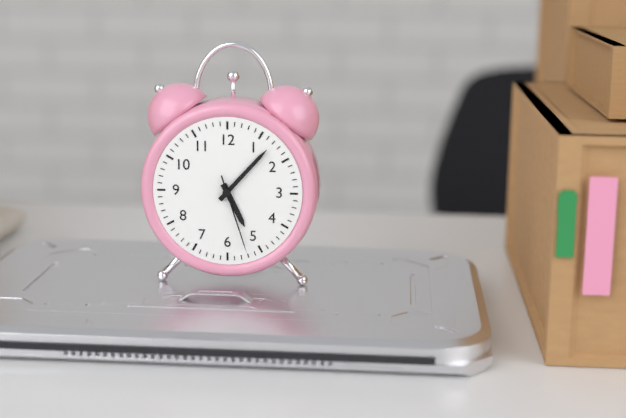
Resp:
**5:07:27**
